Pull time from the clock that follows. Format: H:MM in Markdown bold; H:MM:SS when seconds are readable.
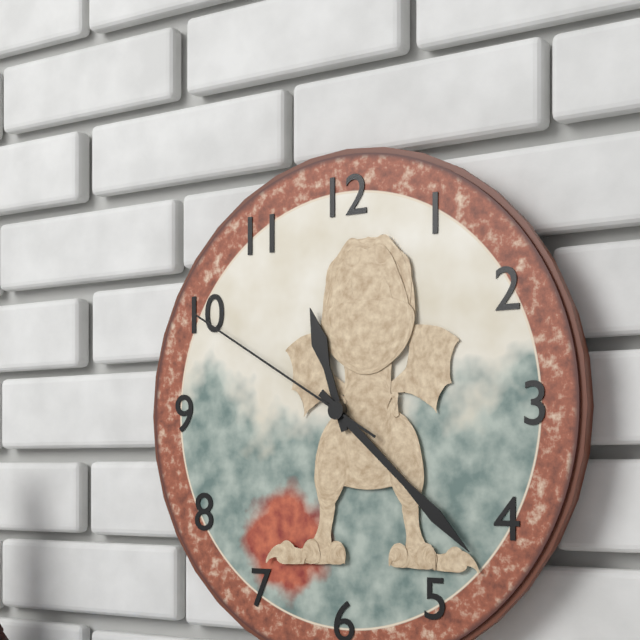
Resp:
**11:22:50**
